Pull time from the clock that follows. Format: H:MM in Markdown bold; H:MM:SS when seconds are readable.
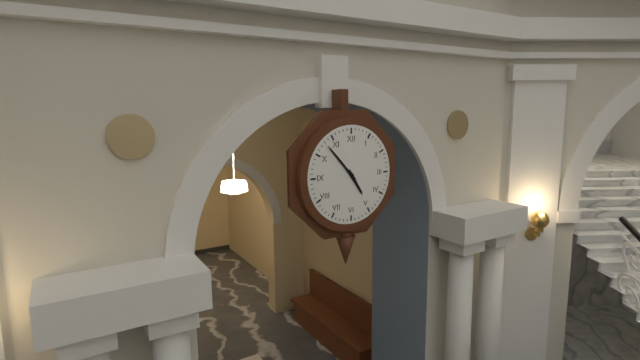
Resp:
**4:53**
